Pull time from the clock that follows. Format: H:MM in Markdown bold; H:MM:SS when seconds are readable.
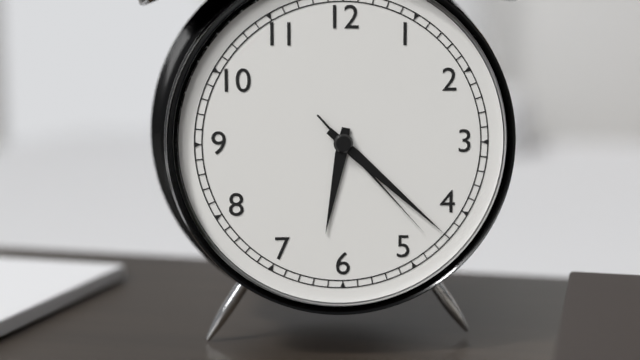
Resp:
**6:22:23**
